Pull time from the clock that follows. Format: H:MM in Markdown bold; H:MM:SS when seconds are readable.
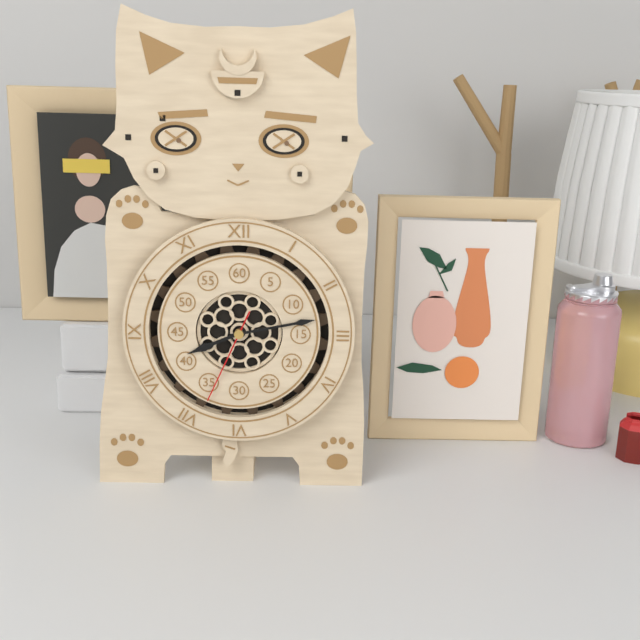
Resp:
**8:13:34**
